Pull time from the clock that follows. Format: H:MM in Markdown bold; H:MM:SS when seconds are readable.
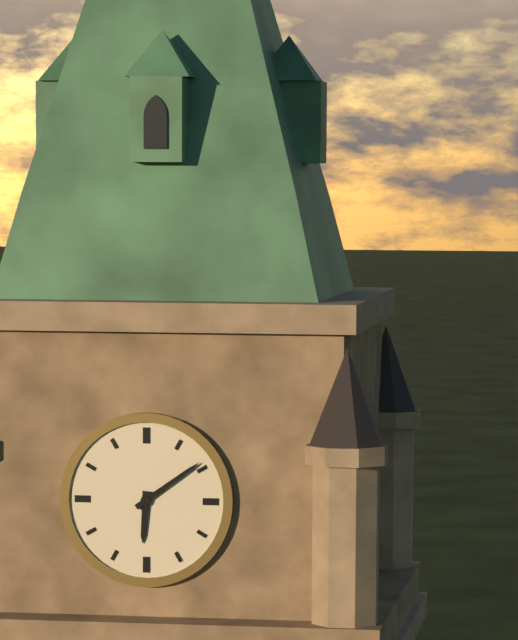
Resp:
**6:09**
